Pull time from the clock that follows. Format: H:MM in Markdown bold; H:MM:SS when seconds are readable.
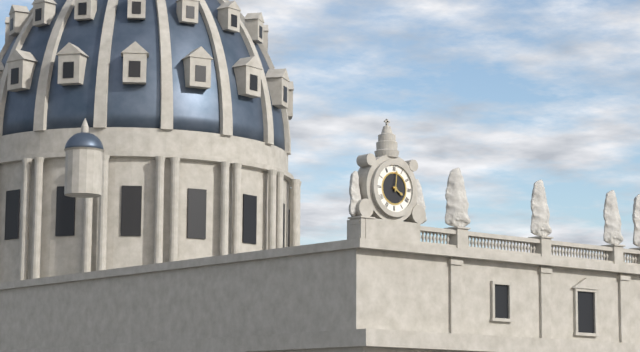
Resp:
**4:01**
